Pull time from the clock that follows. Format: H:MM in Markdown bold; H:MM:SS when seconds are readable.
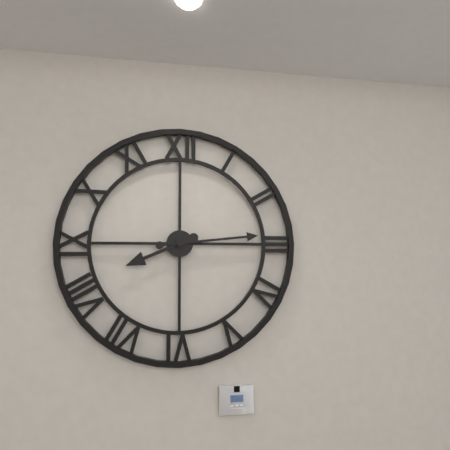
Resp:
**8:14**
